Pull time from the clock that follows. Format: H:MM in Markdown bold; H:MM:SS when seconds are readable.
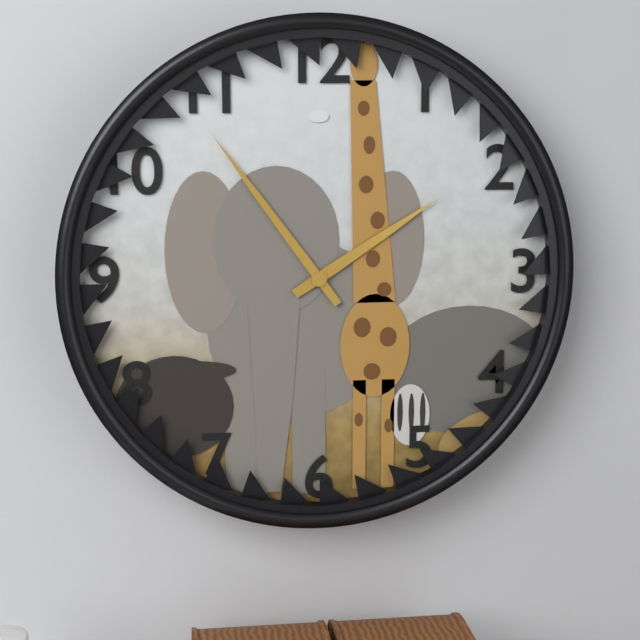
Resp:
**1:54**
